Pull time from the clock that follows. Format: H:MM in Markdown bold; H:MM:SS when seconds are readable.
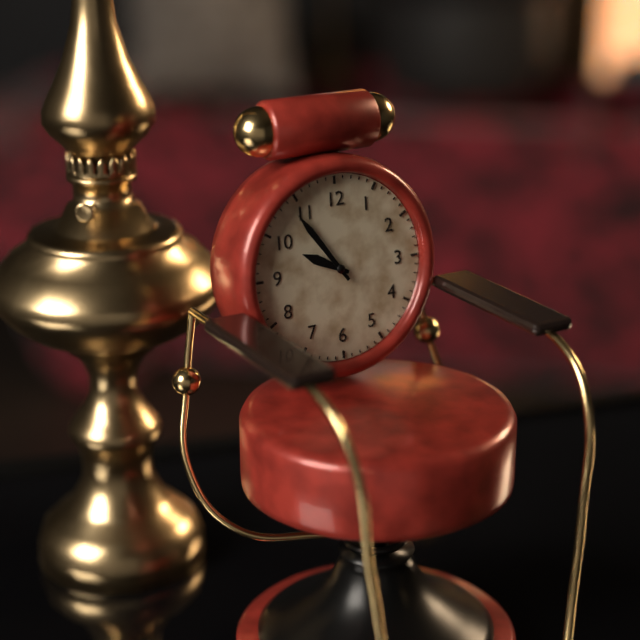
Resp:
**9:54**
